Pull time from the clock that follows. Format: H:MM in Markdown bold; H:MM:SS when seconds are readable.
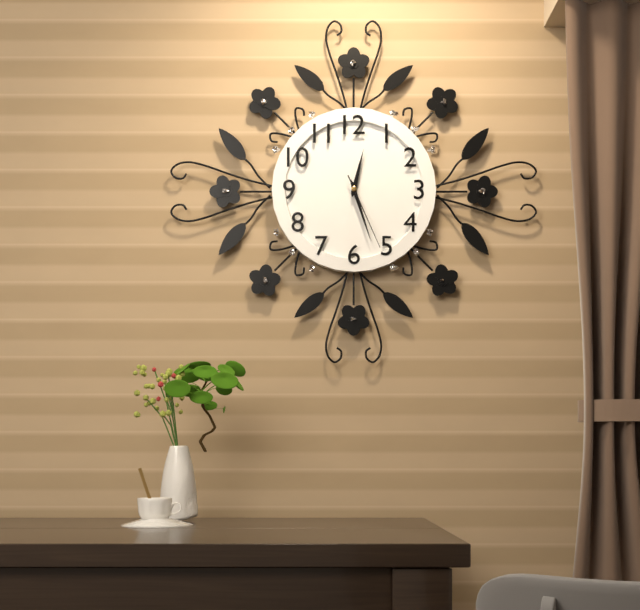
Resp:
**12:27:26**
